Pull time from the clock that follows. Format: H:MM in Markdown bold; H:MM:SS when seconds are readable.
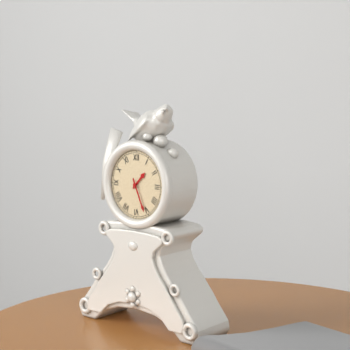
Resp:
**1:26**
